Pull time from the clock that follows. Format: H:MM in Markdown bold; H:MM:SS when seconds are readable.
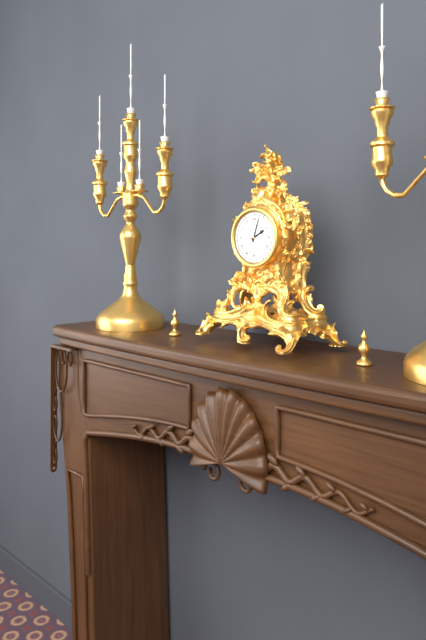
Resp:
**2:03**
